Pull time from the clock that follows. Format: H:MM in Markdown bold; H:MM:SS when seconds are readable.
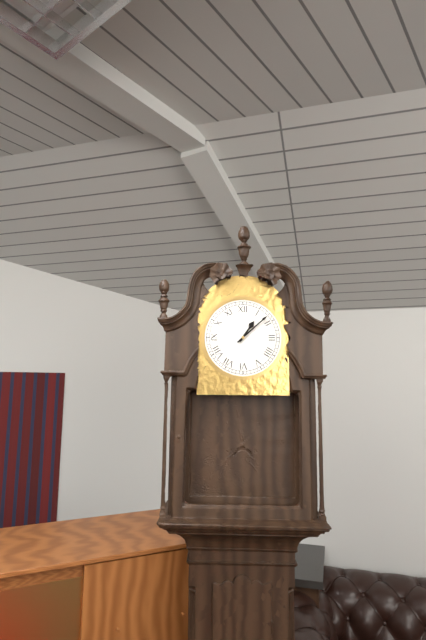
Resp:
**1:08**
